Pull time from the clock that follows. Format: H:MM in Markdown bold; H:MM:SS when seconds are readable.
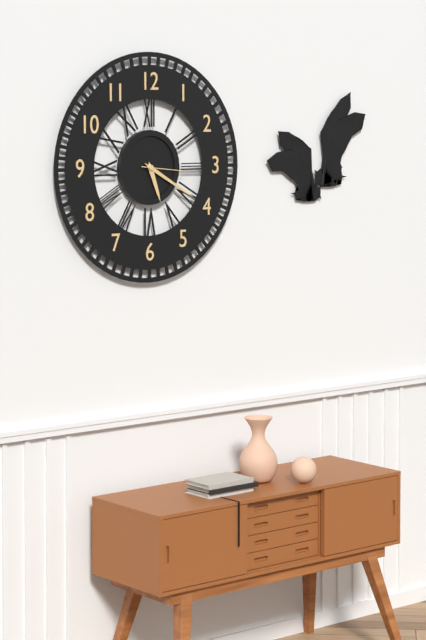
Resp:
**5:20**
